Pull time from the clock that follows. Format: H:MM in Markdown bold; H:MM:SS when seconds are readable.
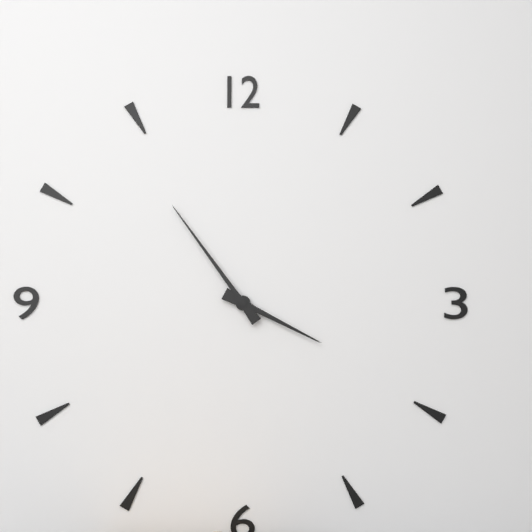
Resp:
**3:54**
